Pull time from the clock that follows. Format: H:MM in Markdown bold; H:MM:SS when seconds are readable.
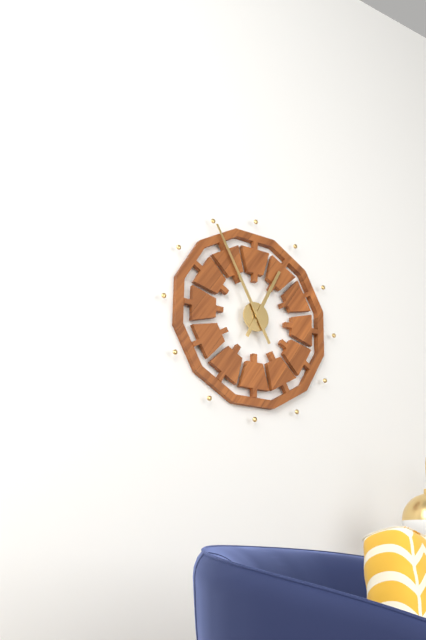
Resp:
**12:55**
